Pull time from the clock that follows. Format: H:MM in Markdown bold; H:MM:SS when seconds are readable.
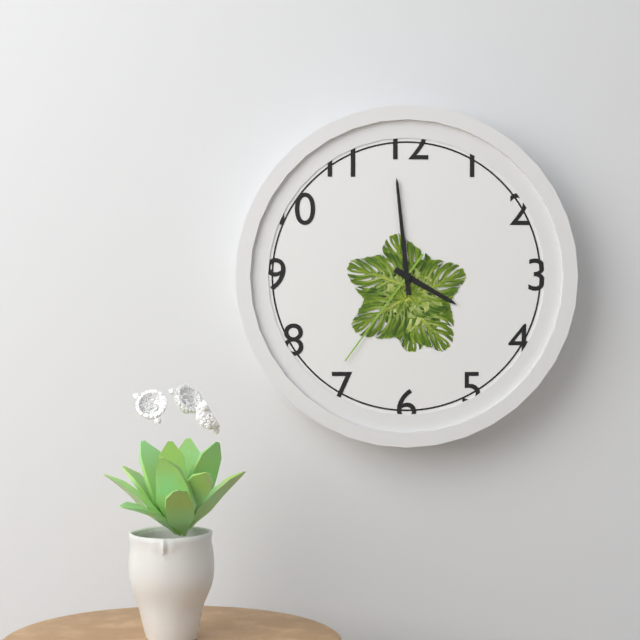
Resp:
**3:59:36**
